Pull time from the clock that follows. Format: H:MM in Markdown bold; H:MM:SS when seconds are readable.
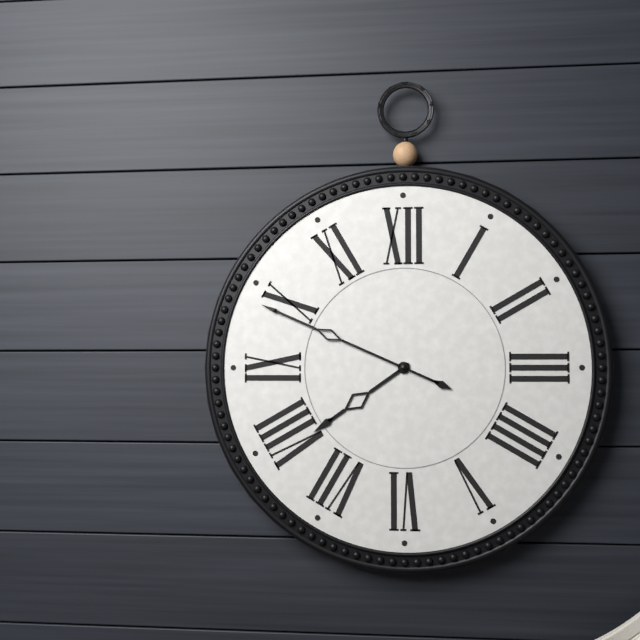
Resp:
**7:49**
